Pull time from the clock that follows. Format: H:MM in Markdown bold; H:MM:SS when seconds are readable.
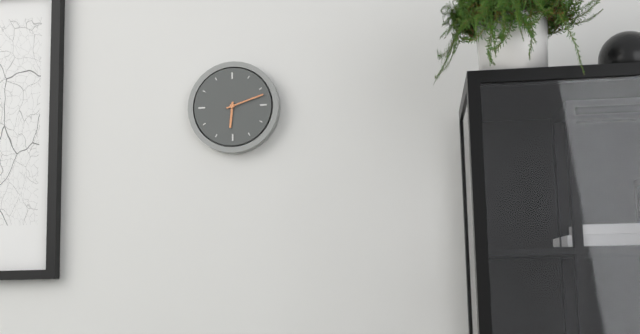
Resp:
**6:12**
